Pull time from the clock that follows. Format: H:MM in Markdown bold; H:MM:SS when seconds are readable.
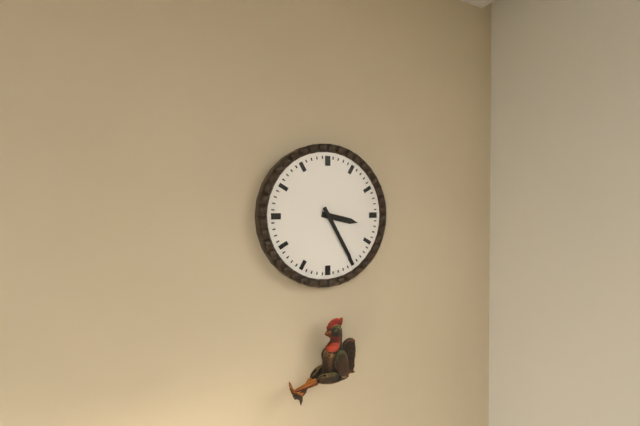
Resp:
**3:25**
